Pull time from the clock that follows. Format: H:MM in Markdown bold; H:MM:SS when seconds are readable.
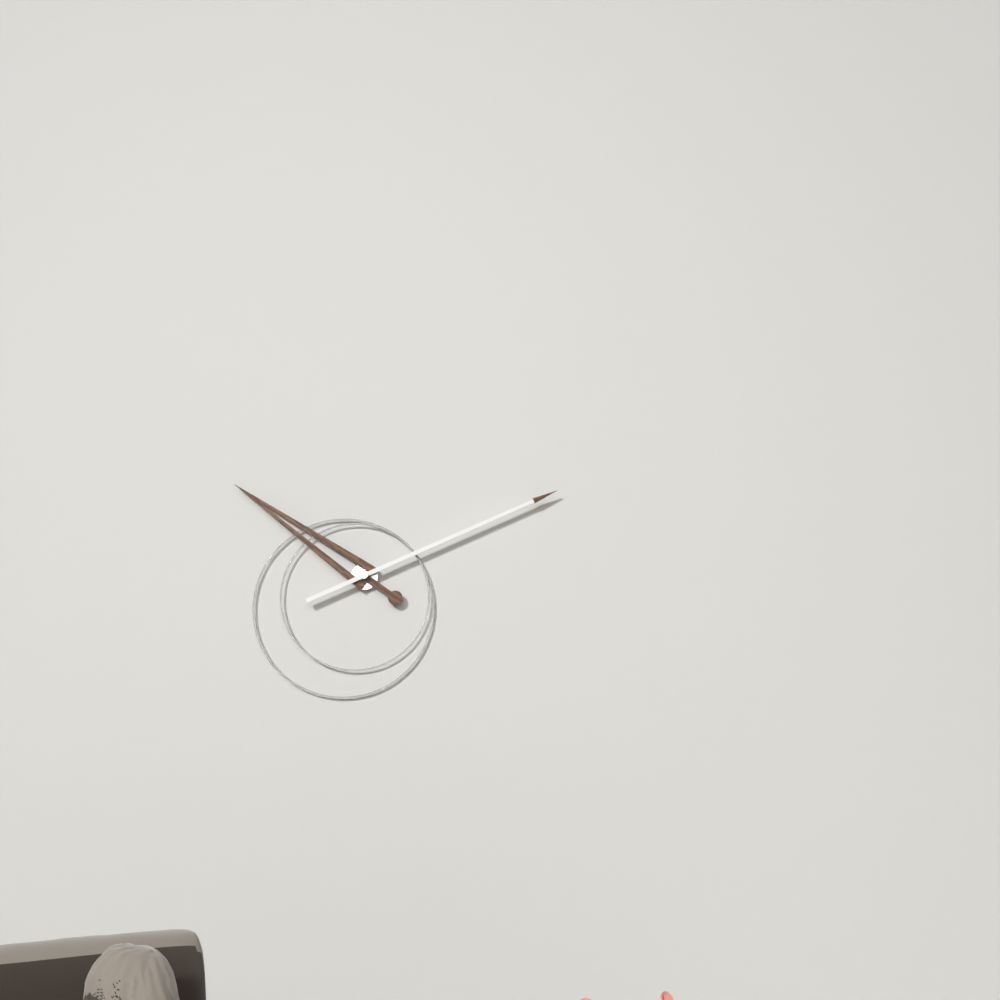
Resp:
**10:11**
